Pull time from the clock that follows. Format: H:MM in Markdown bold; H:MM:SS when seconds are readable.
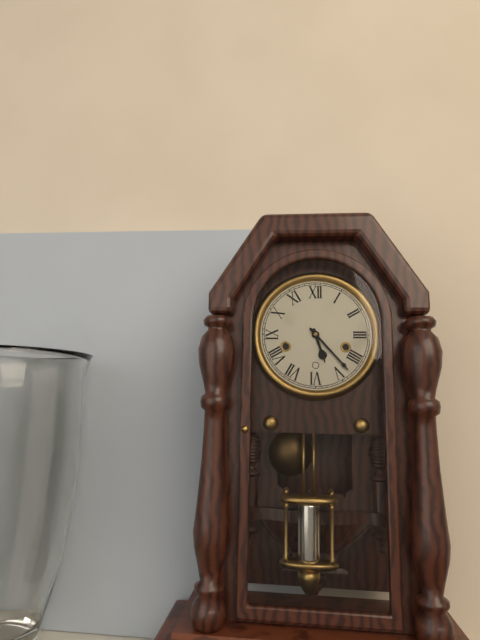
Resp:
**5:23**
